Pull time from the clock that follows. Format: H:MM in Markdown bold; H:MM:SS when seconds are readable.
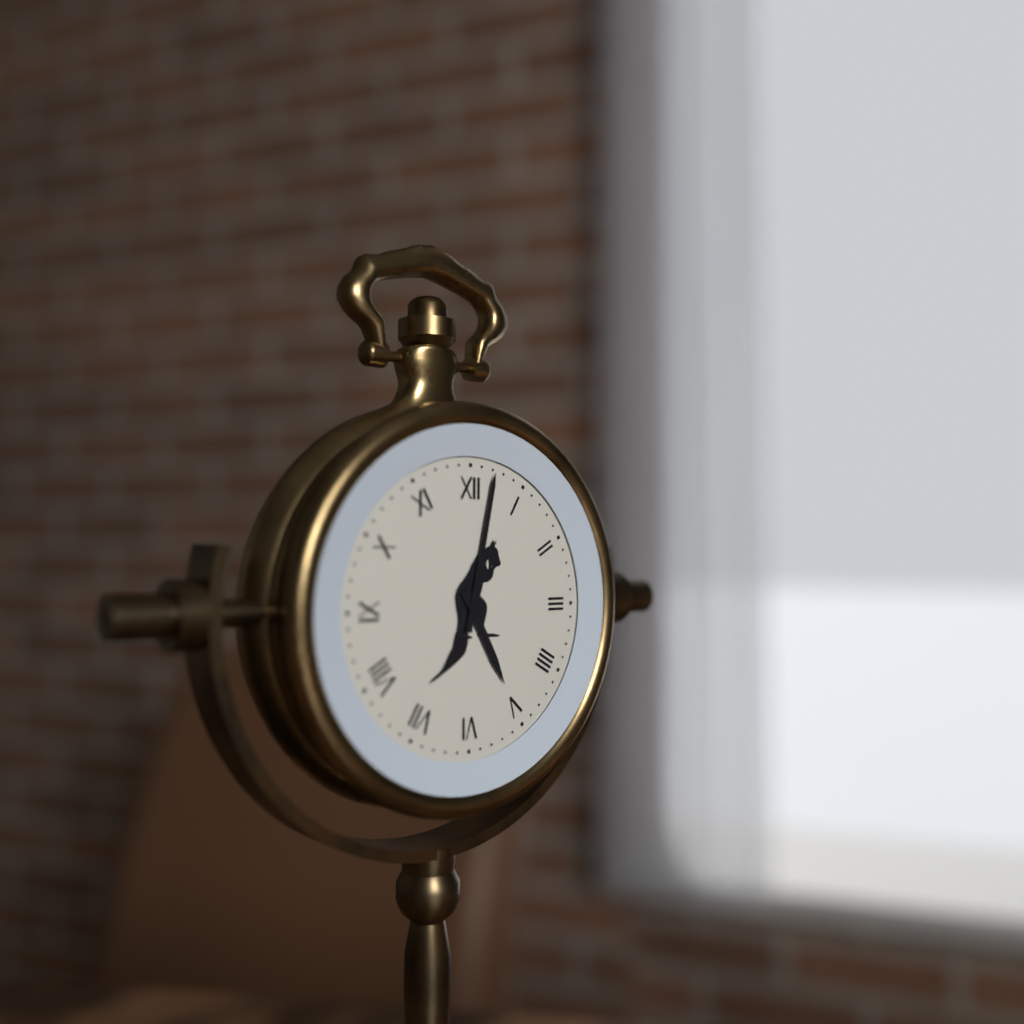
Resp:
**5:02**
